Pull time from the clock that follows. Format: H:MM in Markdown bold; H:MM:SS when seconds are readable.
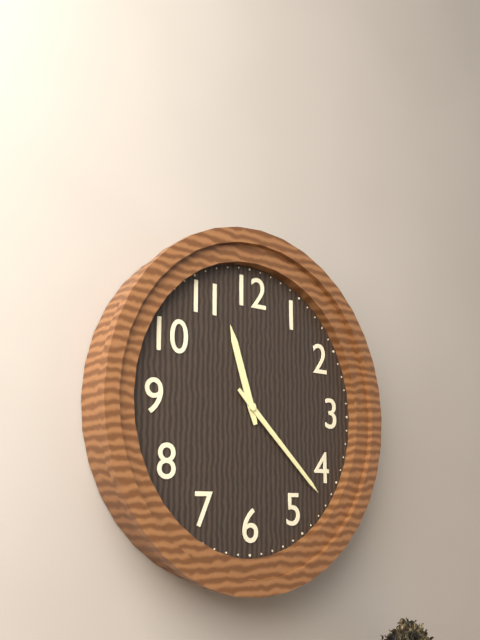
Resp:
**11:22**
